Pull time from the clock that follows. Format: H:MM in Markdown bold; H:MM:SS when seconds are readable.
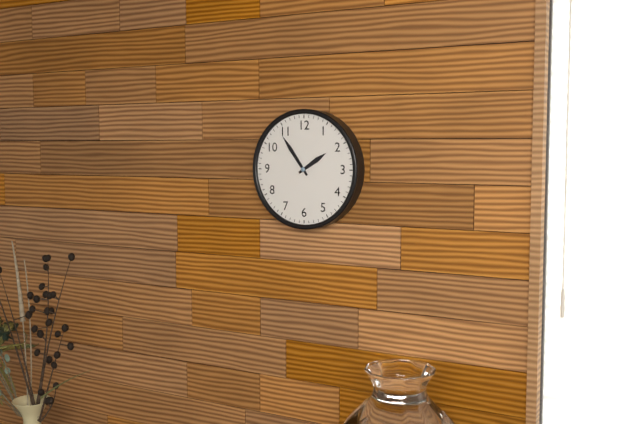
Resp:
**1:54**
